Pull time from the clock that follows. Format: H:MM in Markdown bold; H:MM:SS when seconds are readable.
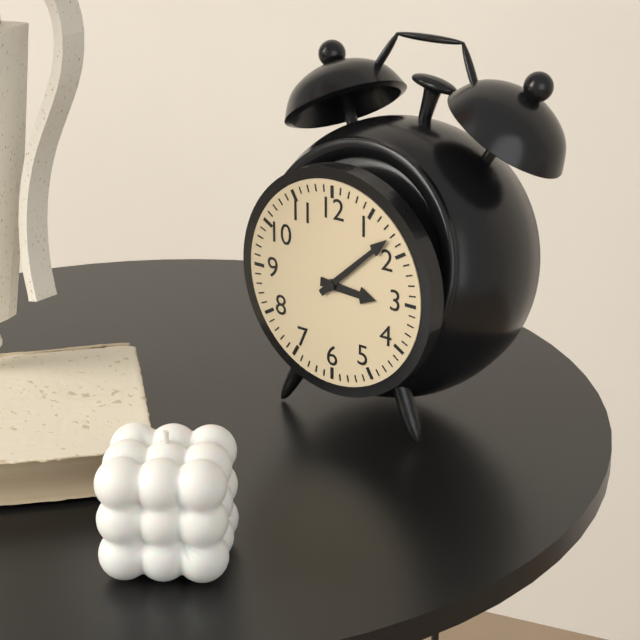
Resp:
**3:08**
